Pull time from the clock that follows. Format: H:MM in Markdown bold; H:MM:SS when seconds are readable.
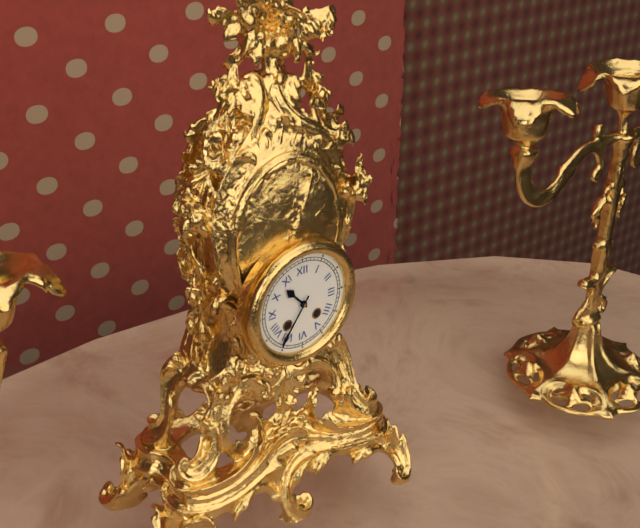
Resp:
**10:36**
